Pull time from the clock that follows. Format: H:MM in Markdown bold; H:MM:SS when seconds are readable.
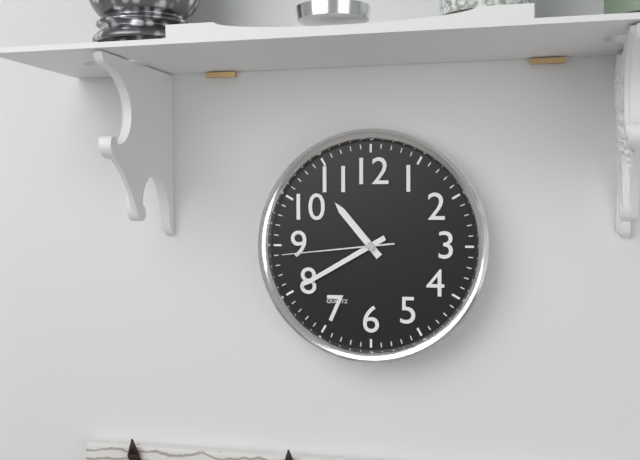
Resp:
**10:40:44**
